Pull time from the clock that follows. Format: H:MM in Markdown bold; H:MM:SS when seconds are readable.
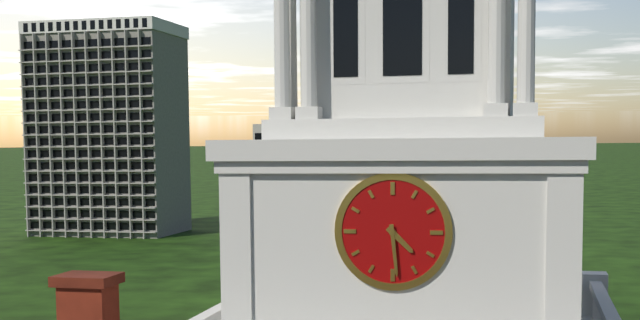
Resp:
**4:29**
